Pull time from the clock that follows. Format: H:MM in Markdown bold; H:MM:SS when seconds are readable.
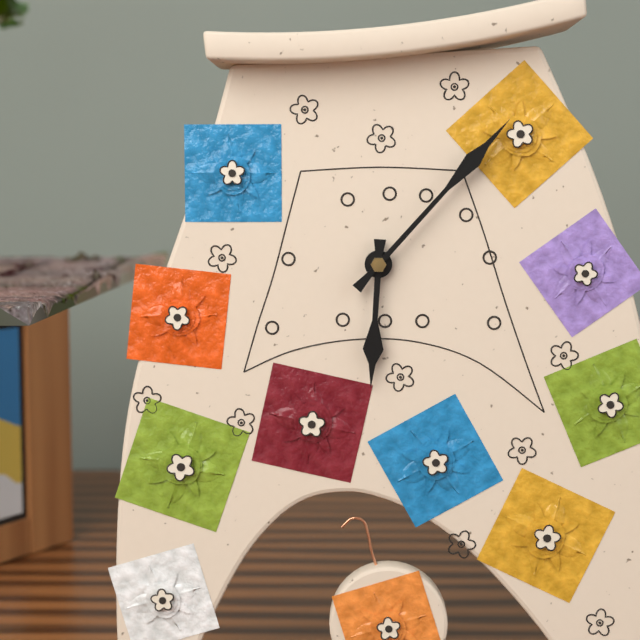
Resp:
**6:07**
